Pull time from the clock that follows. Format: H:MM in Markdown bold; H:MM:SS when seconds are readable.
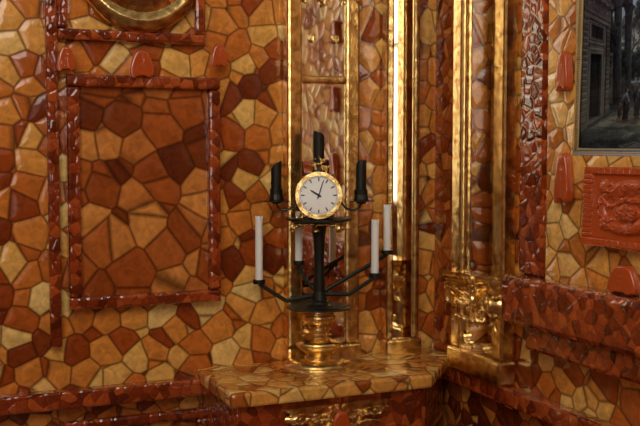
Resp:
**10:03**
